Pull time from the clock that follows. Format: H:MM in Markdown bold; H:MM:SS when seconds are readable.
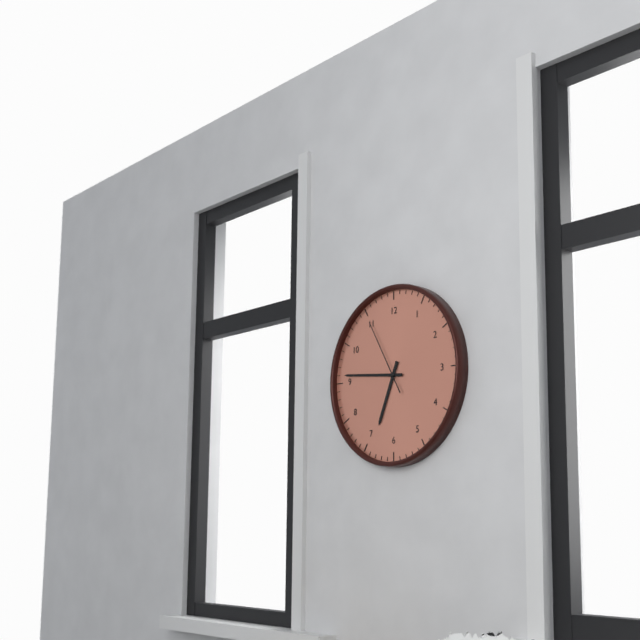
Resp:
**6:46:55**
